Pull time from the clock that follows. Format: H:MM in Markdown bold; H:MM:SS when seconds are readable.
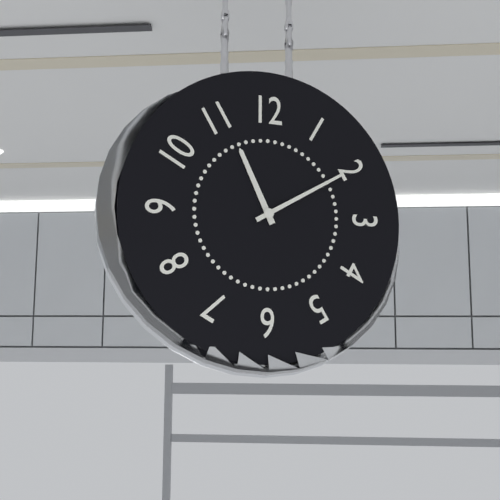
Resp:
**11:10**
